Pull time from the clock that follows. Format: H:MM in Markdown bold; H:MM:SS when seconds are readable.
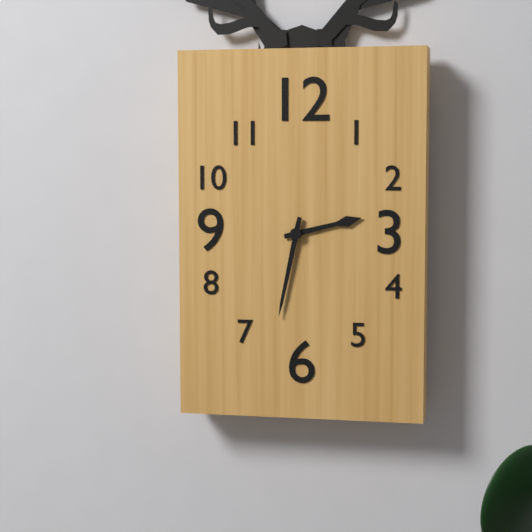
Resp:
**2:32**
